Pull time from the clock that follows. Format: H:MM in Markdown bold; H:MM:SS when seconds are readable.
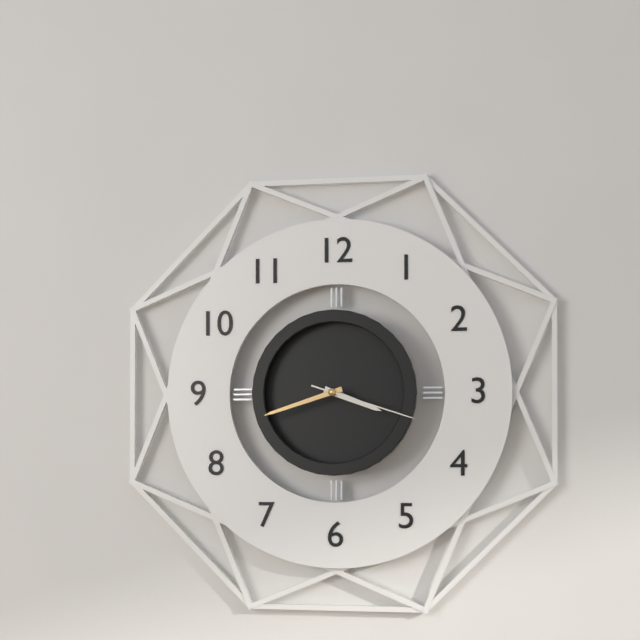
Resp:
**3:42:18**
